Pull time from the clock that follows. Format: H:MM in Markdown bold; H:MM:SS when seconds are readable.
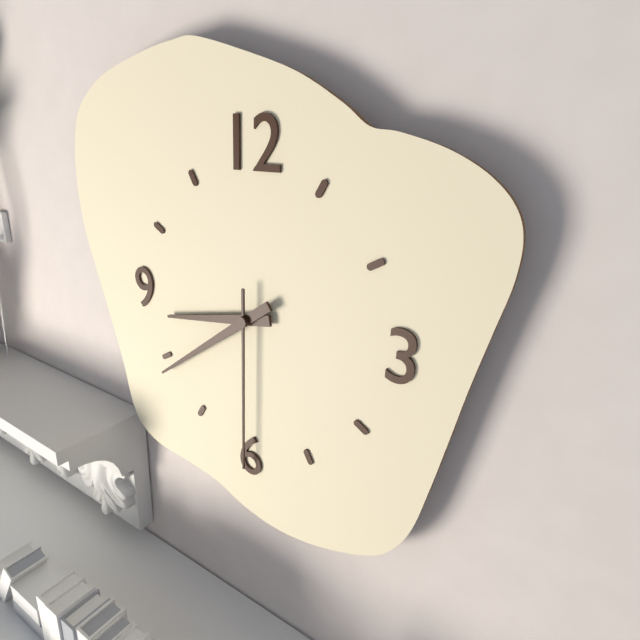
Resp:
**8:39:30**
